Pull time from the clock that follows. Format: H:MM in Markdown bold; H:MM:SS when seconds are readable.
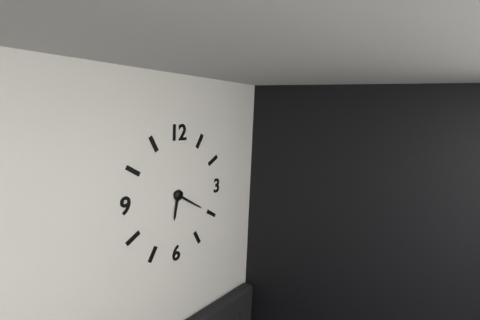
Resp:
**6:20**
